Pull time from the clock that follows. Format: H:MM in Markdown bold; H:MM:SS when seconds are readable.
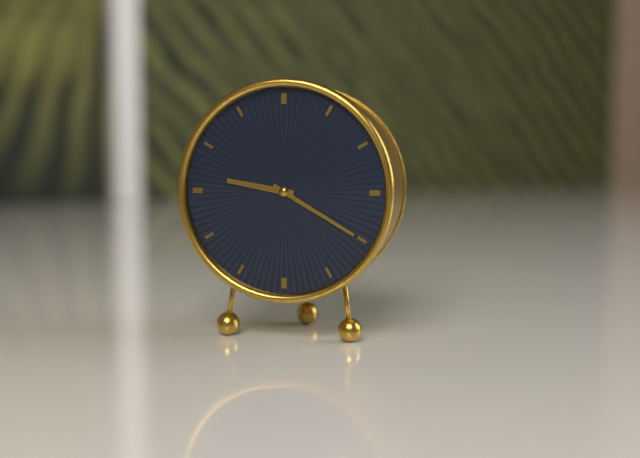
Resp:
**9:20**
